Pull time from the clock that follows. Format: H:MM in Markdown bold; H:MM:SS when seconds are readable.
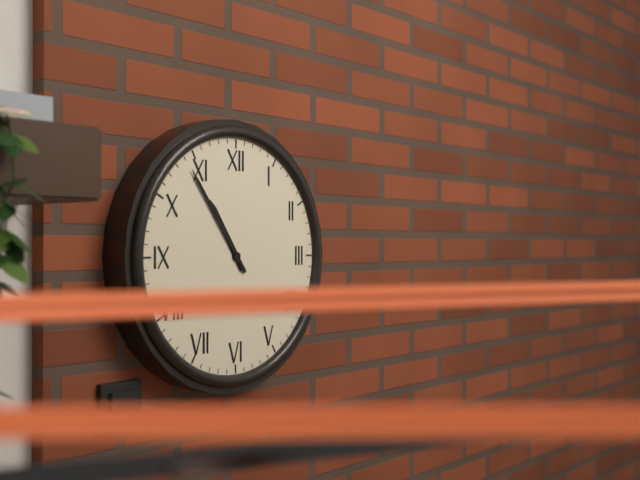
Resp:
**10:54**
